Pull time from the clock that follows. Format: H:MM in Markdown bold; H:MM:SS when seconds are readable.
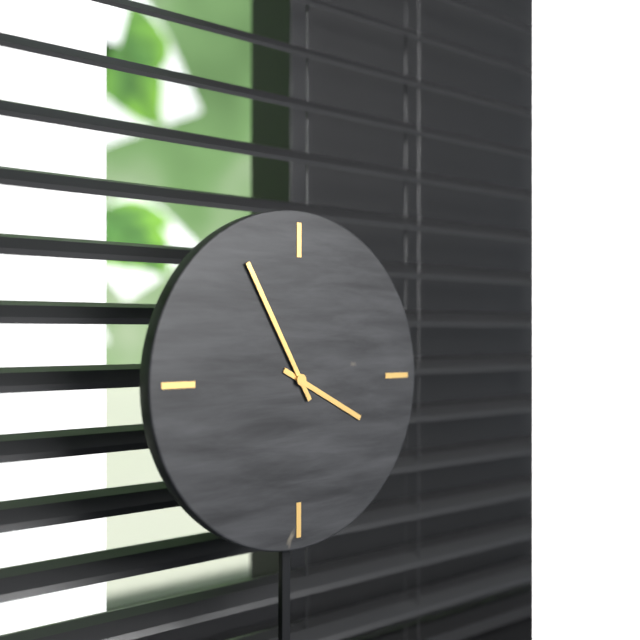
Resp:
**3:55**
